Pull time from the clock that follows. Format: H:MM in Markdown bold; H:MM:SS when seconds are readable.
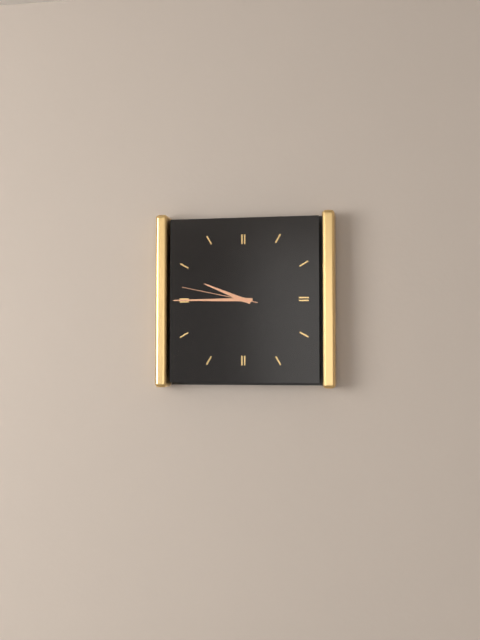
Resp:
**9:45:47**
